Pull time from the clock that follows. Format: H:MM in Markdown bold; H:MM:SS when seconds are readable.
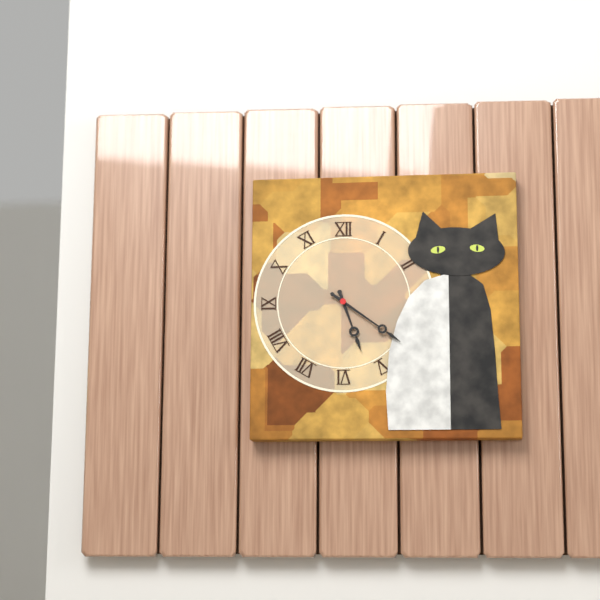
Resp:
**5:21**
